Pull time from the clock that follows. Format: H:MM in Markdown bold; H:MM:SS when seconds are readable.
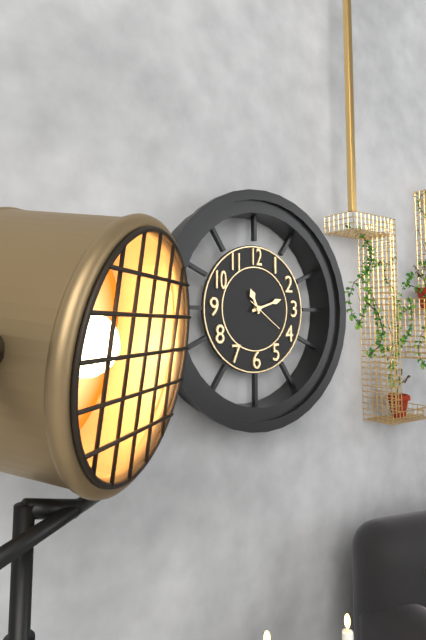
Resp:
**11:12**
